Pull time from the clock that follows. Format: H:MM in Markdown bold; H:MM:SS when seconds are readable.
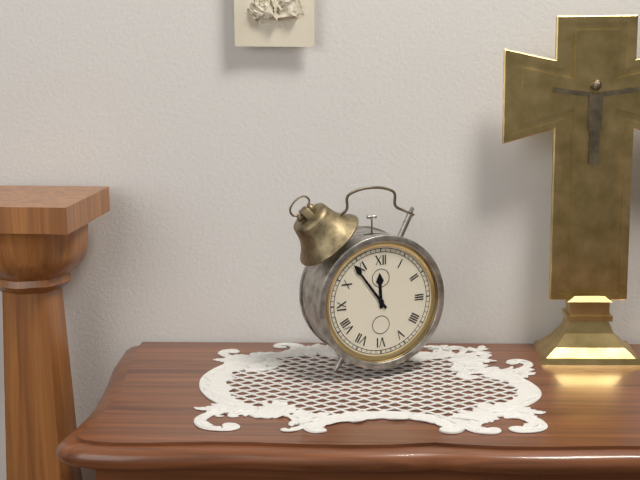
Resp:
**11:54**
